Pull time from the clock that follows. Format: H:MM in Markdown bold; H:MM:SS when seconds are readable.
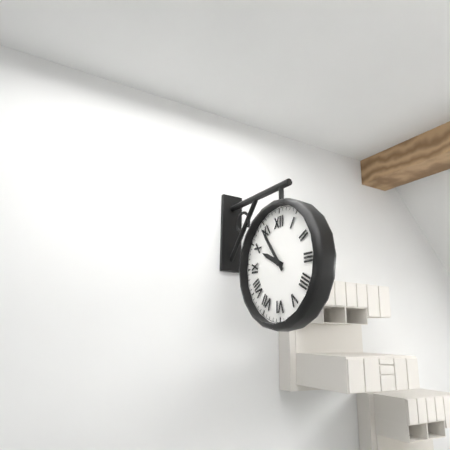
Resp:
**9:54**
